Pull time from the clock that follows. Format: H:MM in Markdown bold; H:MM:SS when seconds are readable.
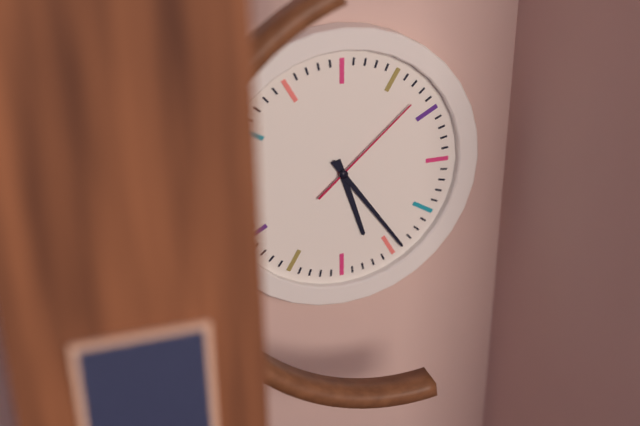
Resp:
**5:24:08**
